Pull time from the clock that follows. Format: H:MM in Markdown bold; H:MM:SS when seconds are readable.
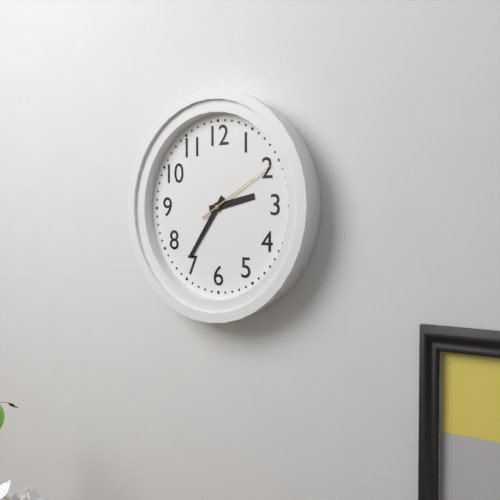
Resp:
**2:36:10**
